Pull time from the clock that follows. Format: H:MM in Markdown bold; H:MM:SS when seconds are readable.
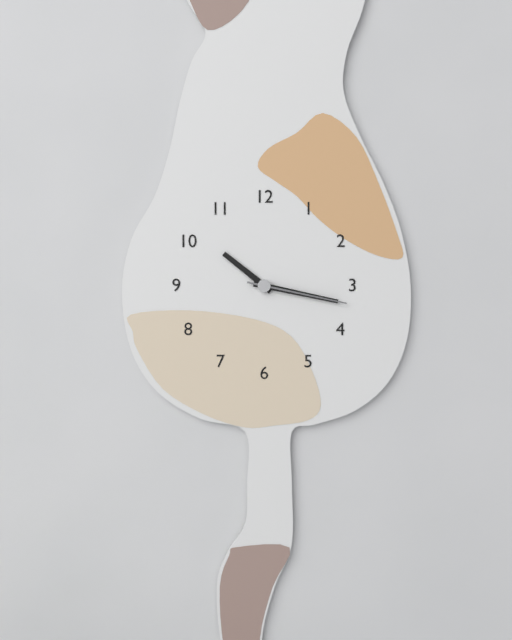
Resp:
**10:17:17**
